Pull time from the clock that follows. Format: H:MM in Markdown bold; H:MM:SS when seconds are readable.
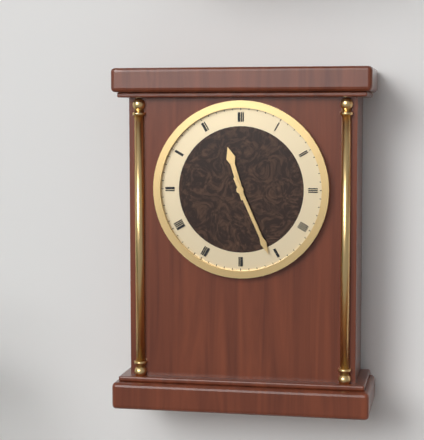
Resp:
**11:26**
